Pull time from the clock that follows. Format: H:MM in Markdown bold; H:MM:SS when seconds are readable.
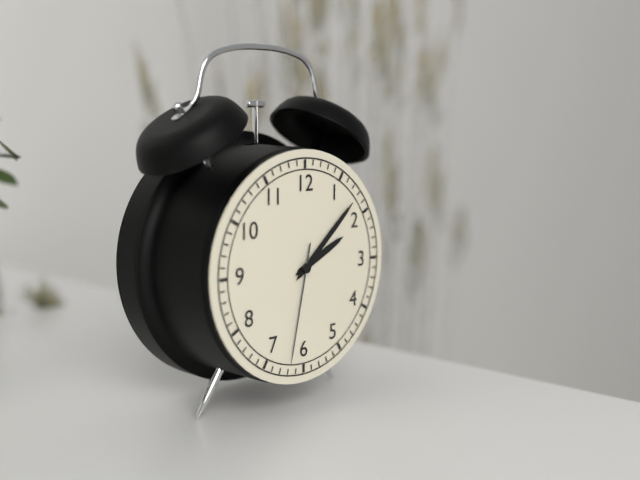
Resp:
**2:08:32**
